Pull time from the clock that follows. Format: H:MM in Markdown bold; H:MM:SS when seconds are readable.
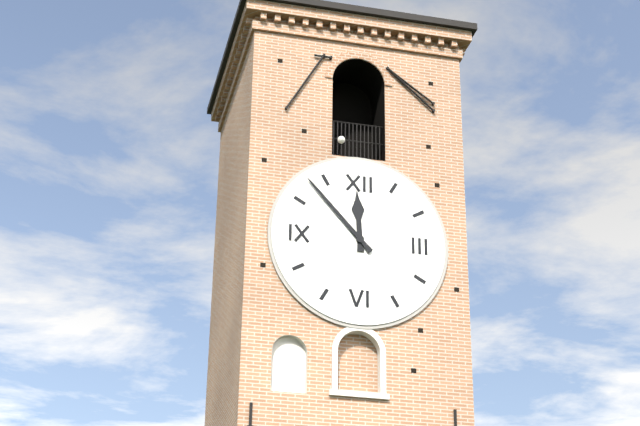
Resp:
**11:53**
